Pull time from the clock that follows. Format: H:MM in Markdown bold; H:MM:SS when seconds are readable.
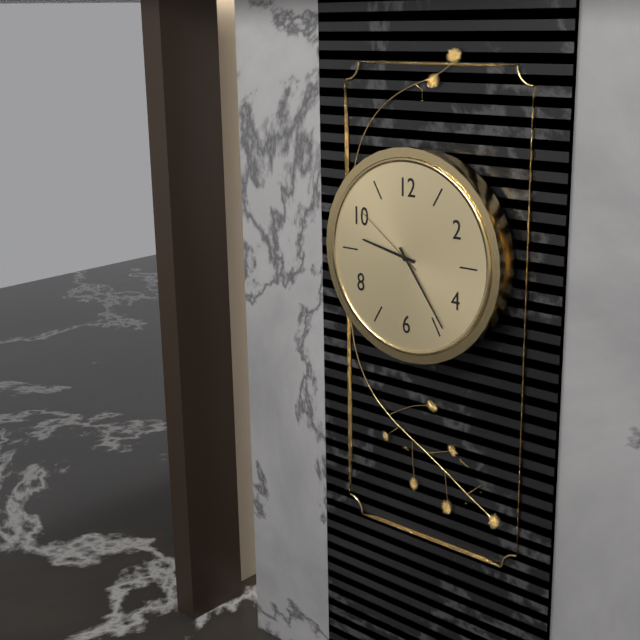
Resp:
**9:24:51**
